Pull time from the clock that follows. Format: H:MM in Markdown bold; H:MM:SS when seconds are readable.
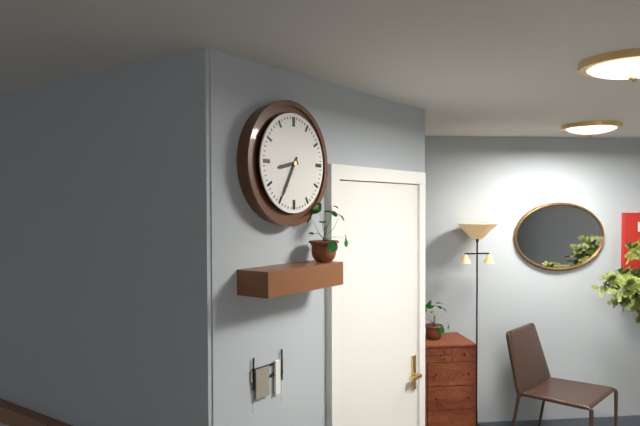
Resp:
**8:35**
